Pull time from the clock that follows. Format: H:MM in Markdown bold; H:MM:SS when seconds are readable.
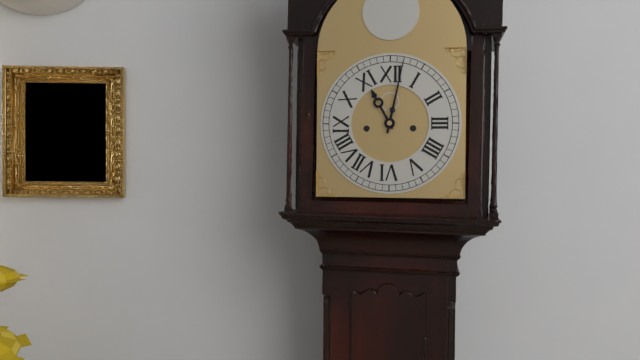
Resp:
**11:02**
